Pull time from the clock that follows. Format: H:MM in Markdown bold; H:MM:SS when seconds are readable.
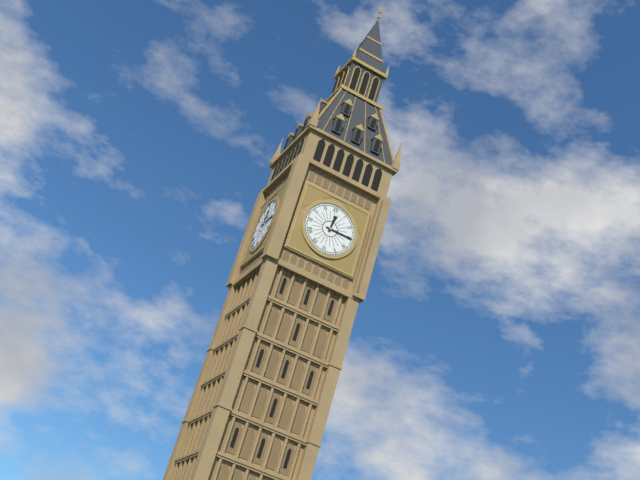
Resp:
**12:15**
